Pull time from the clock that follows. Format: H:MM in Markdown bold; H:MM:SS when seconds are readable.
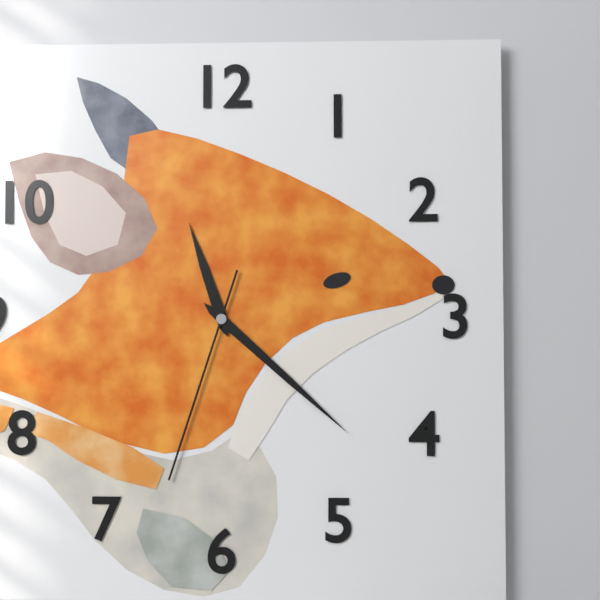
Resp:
**11:22:33**
